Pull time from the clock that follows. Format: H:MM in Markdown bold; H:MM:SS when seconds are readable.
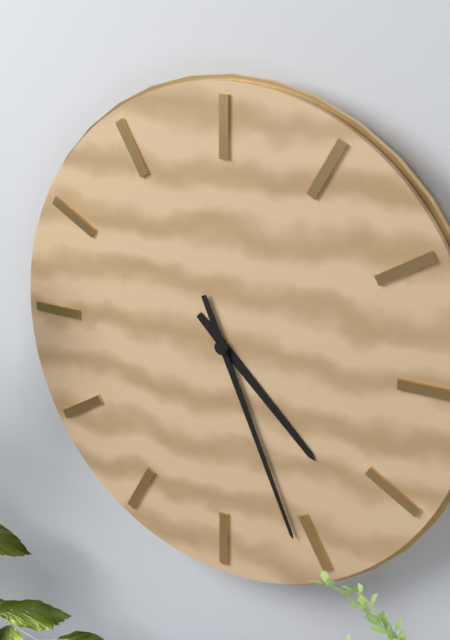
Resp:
**4:26**
